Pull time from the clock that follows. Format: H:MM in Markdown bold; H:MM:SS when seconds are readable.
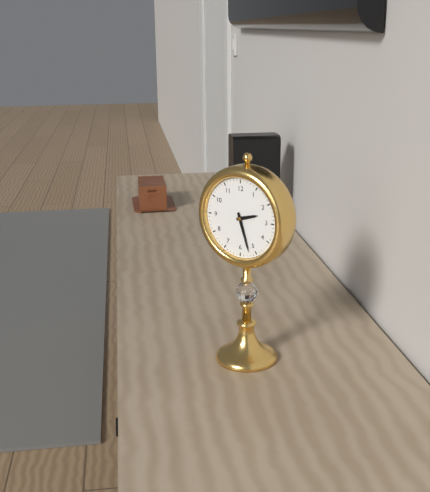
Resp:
**2:27**
